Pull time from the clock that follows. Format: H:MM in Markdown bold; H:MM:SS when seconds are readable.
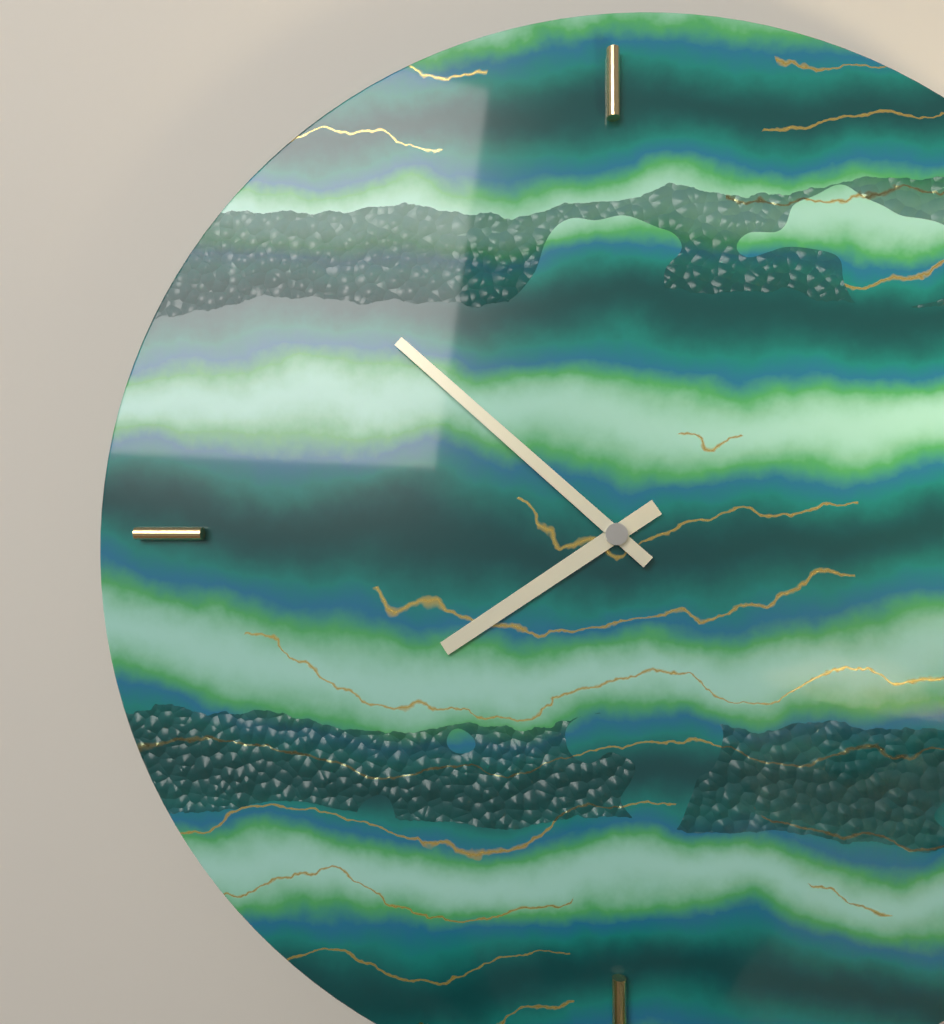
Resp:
**7:52**
